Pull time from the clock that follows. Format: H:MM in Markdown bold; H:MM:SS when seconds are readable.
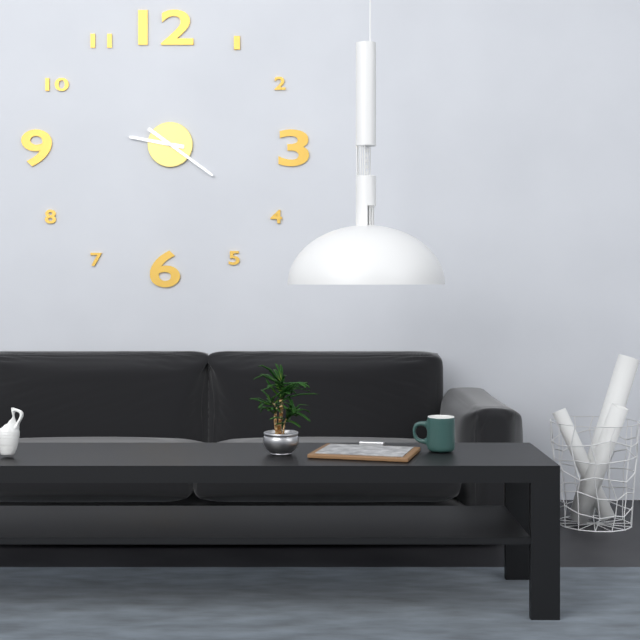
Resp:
**9:21**
